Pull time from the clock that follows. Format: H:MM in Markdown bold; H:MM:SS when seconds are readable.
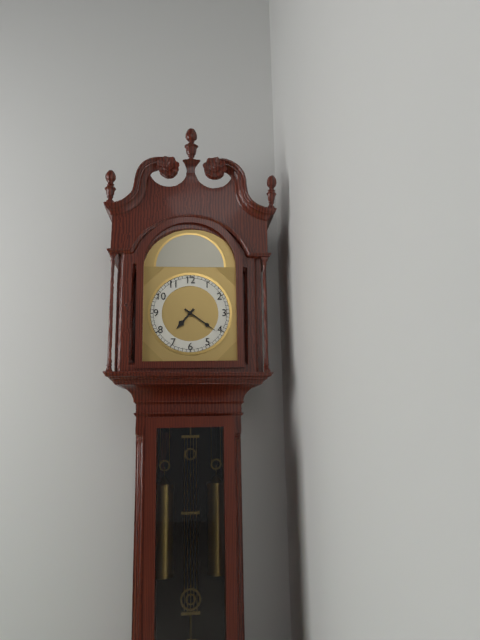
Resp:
**7:21**
